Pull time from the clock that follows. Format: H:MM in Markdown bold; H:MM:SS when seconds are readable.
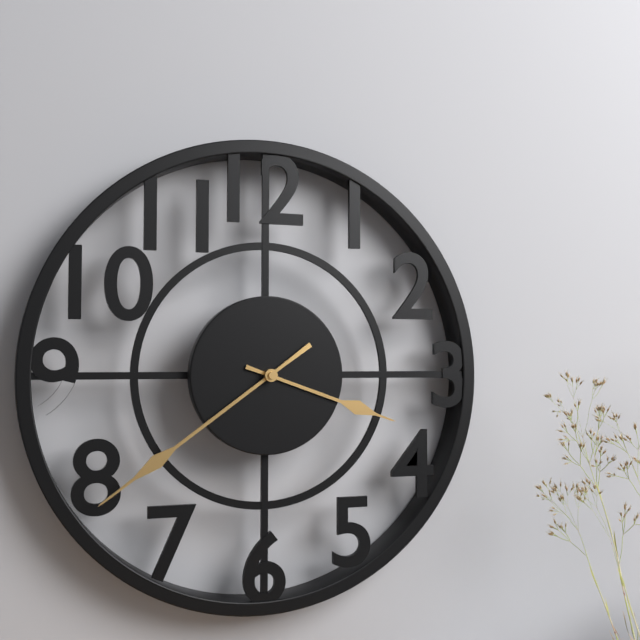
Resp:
**3:39**
